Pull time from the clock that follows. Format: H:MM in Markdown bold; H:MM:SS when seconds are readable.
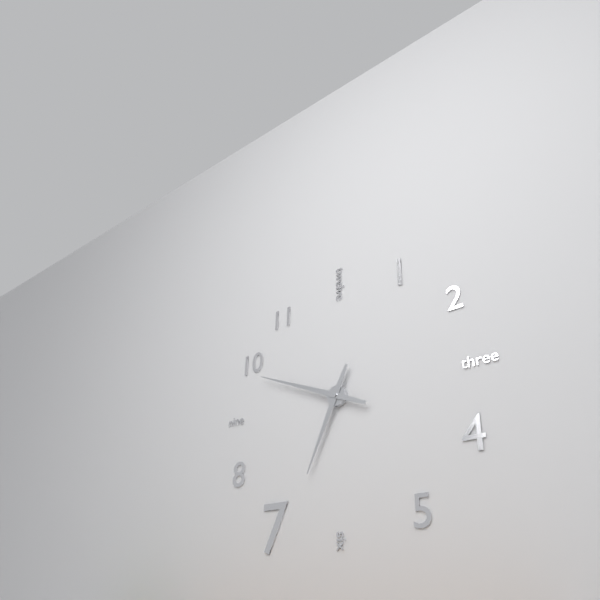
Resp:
**6:49**
